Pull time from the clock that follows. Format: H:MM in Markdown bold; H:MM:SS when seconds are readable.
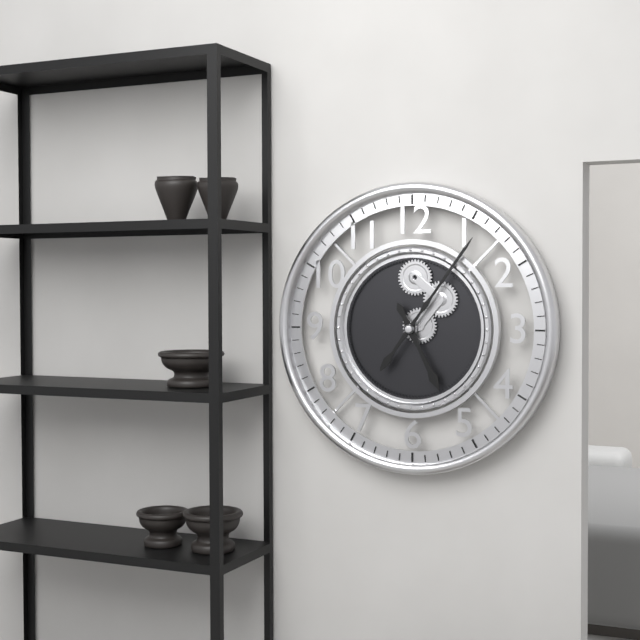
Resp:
**5:06**
